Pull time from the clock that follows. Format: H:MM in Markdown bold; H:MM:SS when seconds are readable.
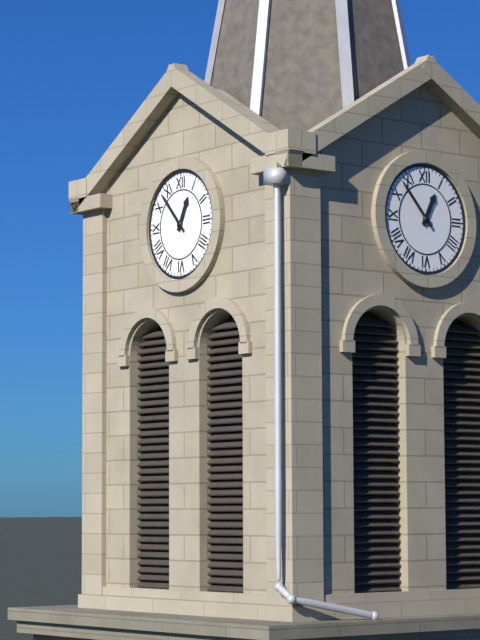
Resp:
**12:53**
